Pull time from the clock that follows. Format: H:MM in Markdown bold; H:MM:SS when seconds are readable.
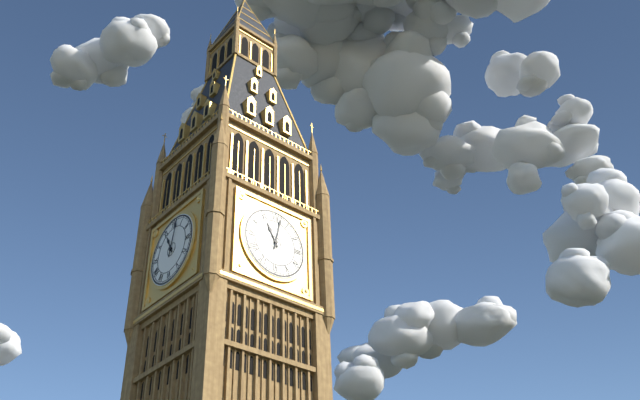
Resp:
**11:02**
